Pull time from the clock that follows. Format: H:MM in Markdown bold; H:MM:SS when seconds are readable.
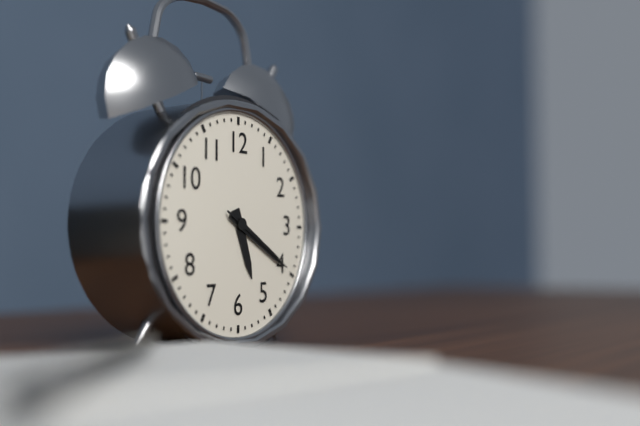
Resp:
**5:20:20**
